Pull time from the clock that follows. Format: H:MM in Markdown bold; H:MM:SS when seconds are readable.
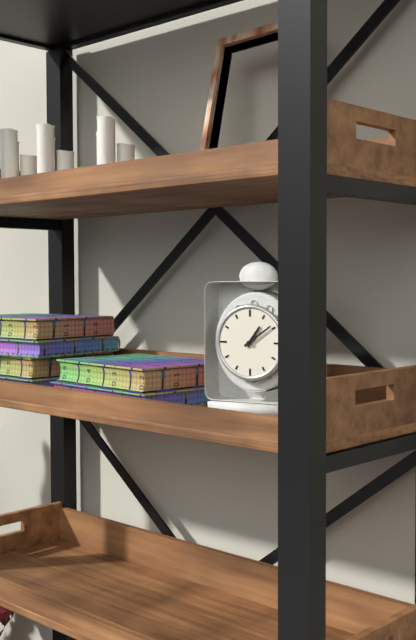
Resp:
**1:09**
